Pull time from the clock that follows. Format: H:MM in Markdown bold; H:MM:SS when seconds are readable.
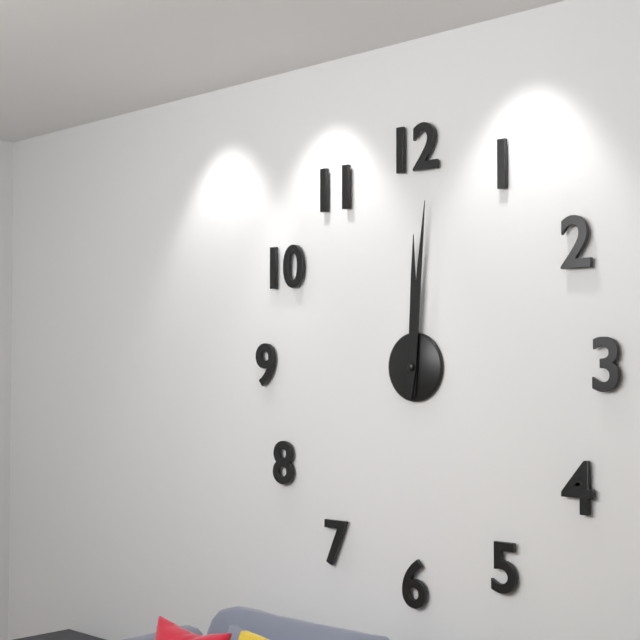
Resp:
**12:01**
